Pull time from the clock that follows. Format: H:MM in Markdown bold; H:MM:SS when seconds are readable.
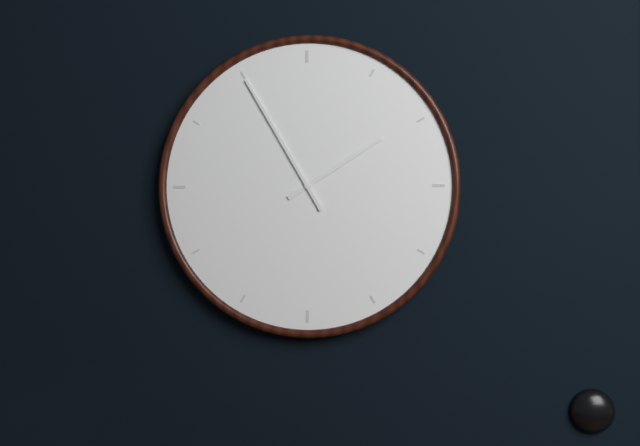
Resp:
**1:55**
